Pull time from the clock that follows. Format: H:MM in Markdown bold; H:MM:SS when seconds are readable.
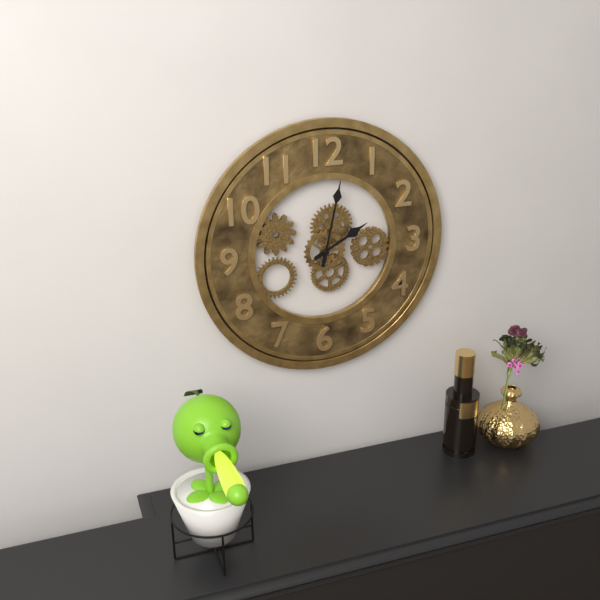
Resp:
**2:02**
